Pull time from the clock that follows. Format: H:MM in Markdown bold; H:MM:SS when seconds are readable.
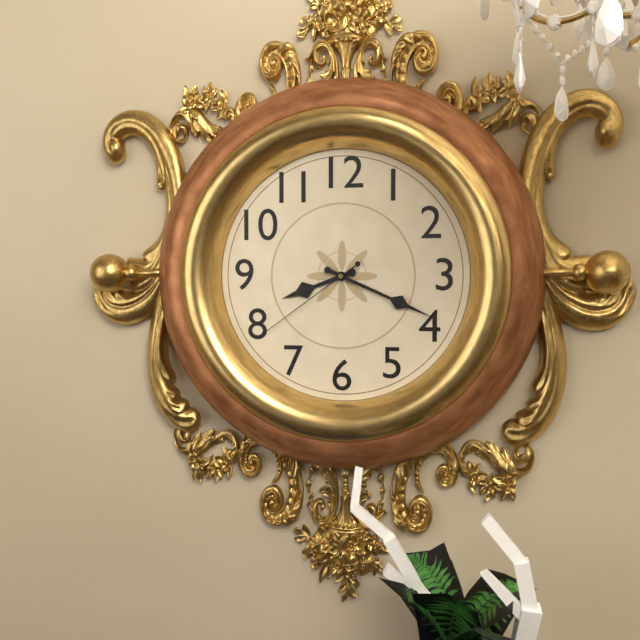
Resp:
**8:19:39**
